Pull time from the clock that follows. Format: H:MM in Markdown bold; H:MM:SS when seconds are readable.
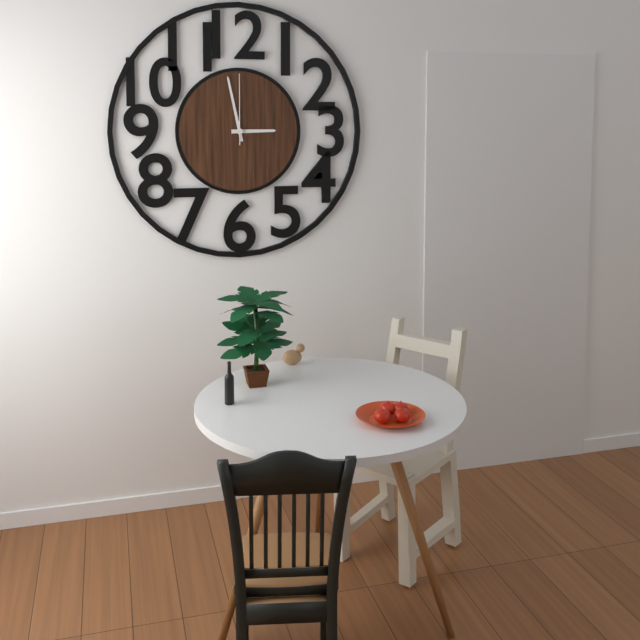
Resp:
**2:58:00**
